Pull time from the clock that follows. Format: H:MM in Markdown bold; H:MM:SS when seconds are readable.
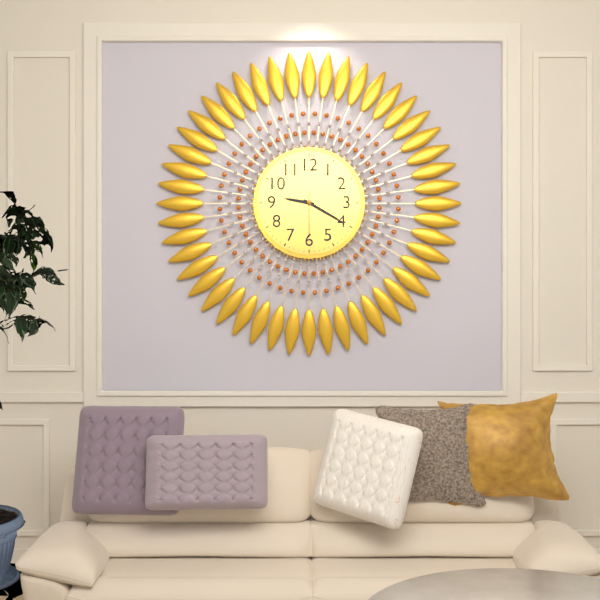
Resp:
**9:20:30**
